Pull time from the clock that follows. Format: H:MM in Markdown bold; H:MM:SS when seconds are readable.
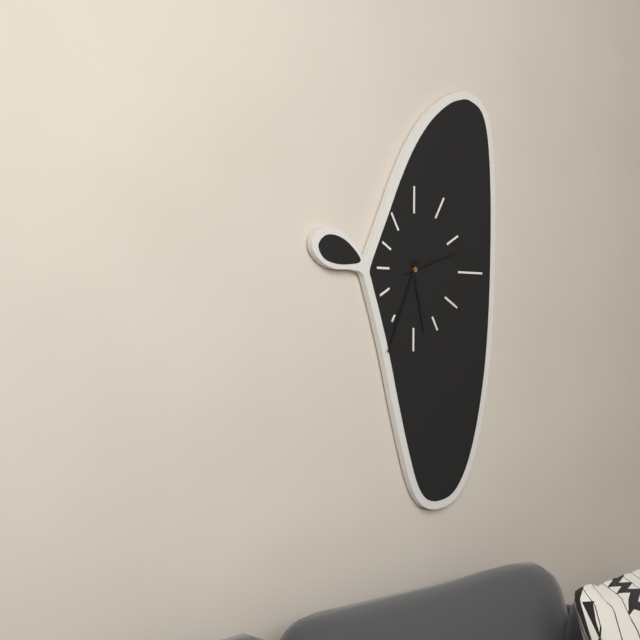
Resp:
**5:34:12**
